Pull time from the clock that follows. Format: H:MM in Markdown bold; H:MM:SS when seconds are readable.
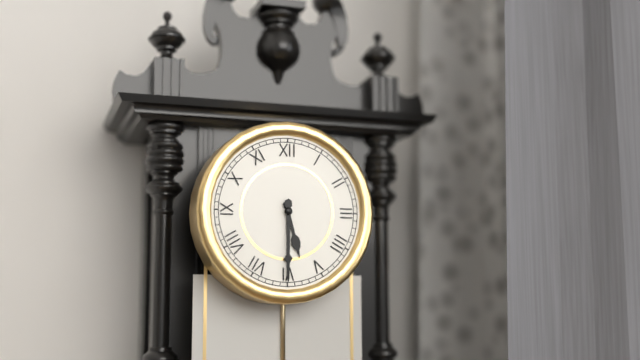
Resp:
**5:30**
